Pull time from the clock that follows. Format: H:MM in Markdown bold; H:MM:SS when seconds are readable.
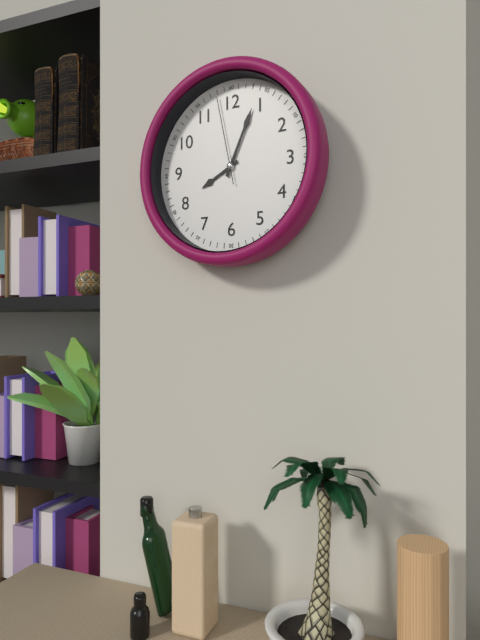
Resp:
**8:04:58**
